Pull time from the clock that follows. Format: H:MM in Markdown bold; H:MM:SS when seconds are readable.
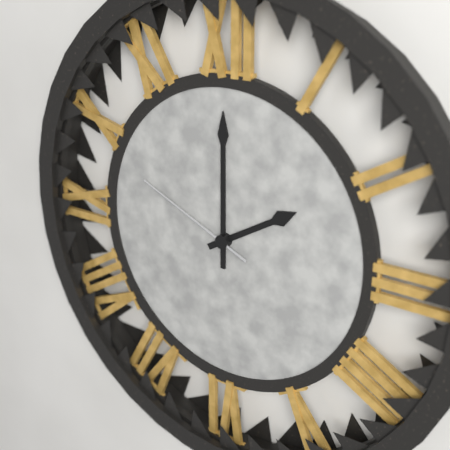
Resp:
**2:00:49**
